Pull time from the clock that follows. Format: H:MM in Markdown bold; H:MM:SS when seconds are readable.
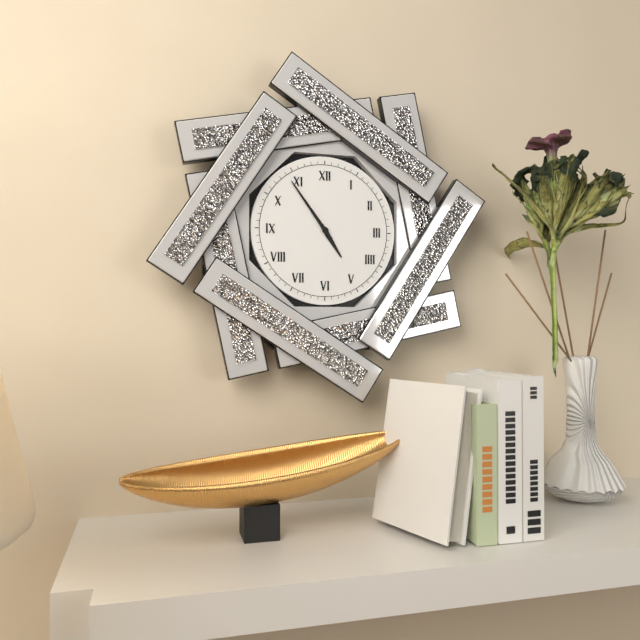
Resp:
**4:54**
